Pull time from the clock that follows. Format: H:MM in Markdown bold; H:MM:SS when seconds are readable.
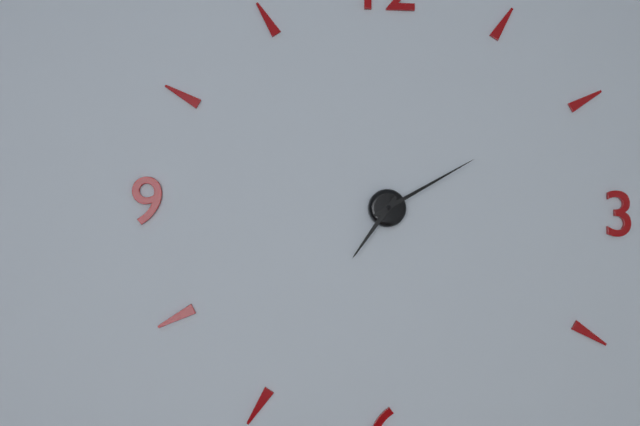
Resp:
**7:10**
